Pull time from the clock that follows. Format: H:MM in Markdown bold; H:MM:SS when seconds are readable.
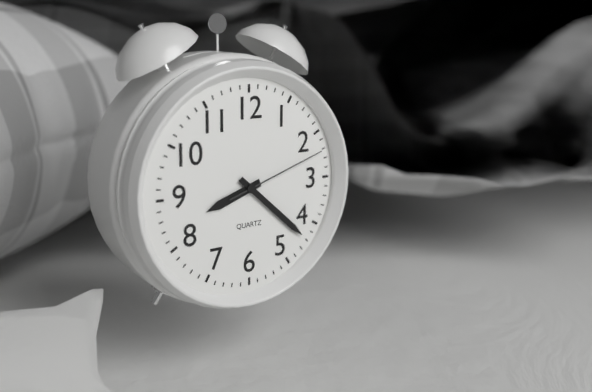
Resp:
**8:22:12**
